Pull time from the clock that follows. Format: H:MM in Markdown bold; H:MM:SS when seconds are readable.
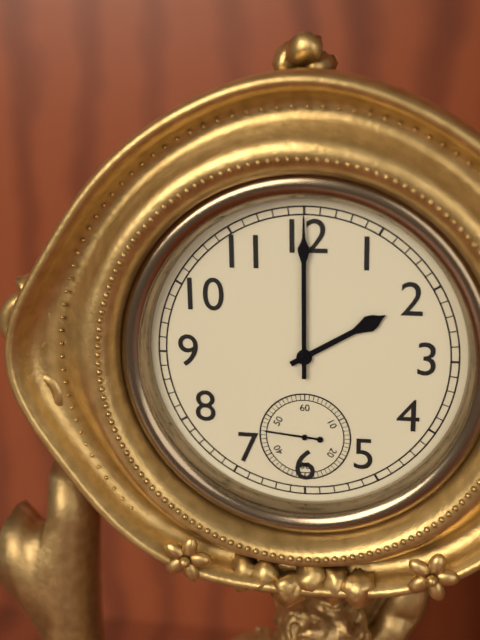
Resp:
**2:00:46**
